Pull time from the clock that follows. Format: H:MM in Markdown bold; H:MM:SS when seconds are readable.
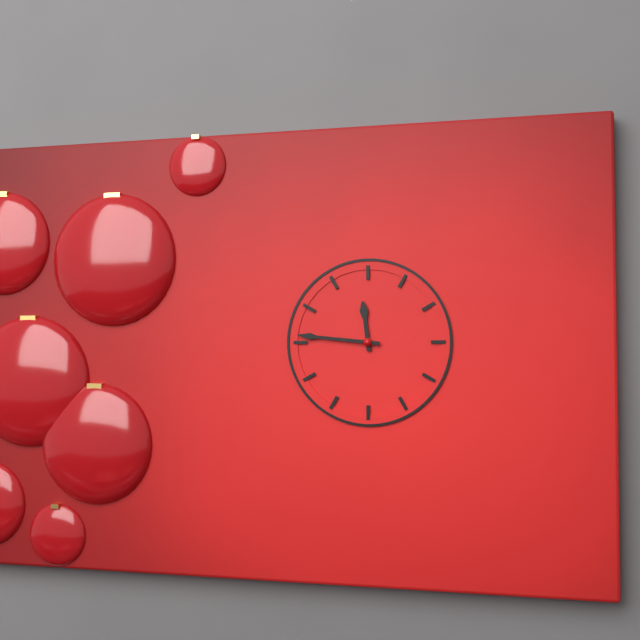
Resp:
**11:46**
